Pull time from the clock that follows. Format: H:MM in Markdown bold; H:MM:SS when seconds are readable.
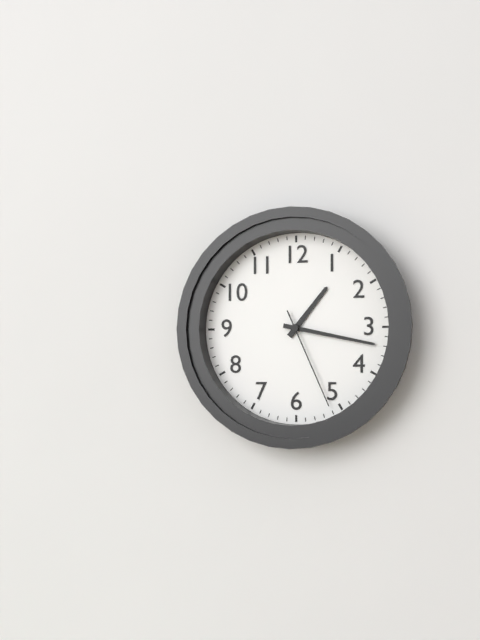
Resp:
**1:17:26**
